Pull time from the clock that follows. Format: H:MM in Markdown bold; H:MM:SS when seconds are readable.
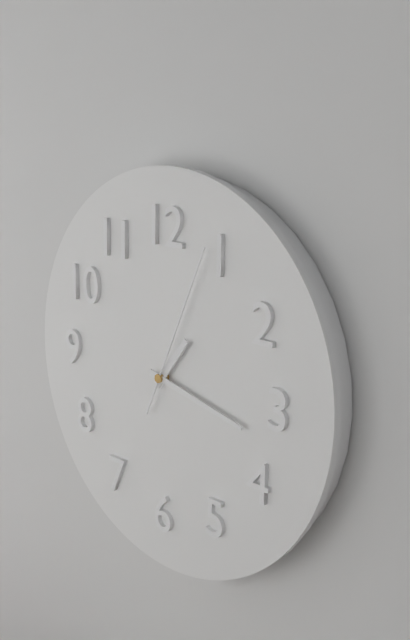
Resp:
**1:17:04**
